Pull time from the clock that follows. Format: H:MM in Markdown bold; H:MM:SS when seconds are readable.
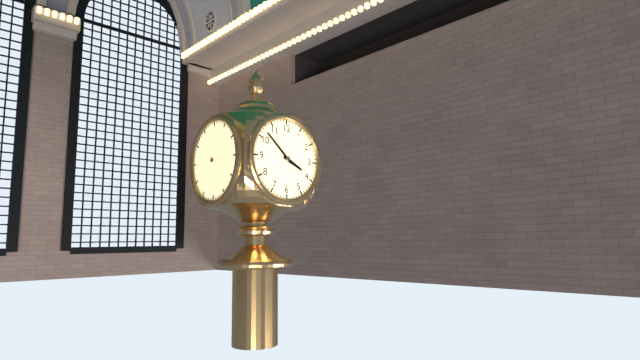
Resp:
**3:52**
